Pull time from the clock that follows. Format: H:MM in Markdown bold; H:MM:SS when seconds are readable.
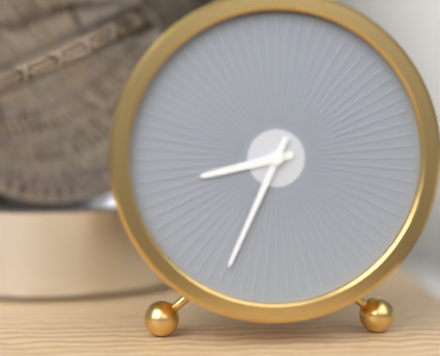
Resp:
**8:34**
